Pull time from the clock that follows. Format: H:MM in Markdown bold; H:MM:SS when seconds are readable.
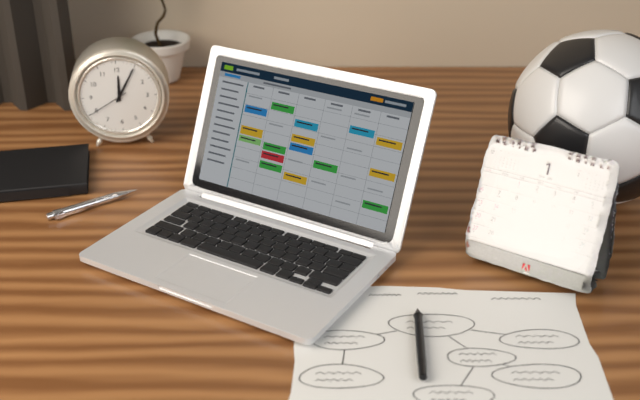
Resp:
**12:05**
